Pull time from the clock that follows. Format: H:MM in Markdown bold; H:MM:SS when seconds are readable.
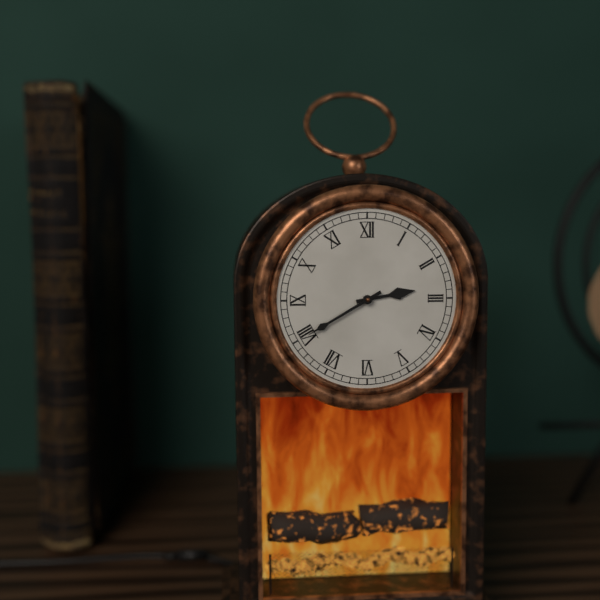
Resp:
**2:40**
